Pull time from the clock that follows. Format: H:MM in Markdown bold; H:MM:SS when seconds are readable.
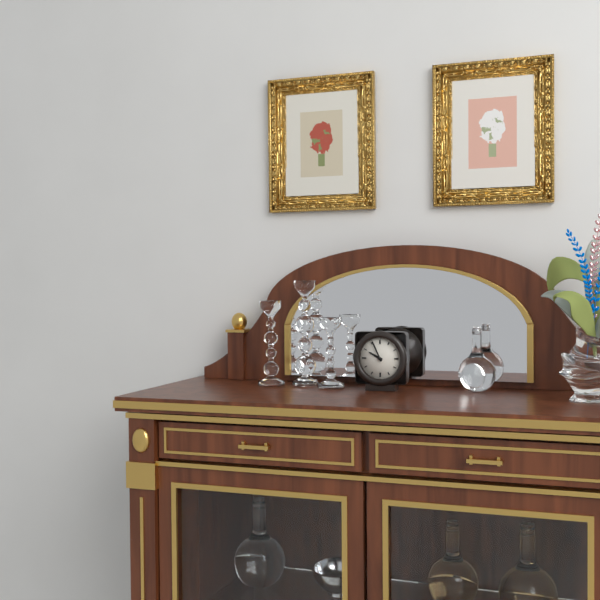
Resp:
**9:56**
